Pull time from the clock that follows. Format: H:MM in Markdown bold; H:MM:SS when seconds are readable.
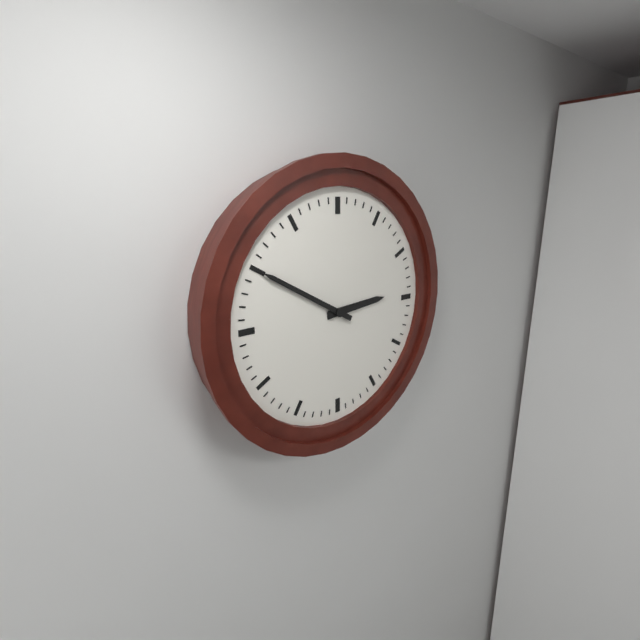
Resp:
**2:50**
